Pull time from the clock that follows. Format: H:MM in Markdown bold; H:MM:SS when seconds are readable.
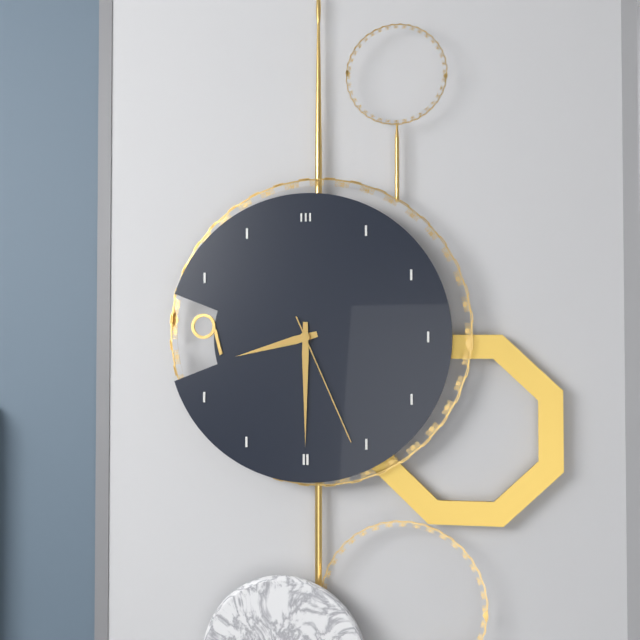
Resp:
**8:30:26**
